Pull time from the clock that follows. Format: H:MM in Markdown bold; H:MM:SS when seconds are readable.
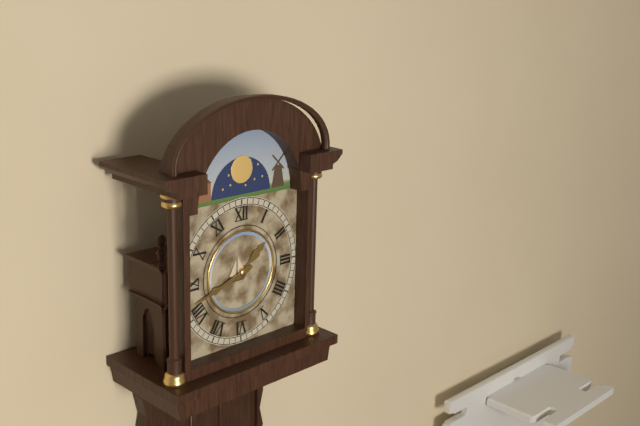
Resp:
**1:42**
